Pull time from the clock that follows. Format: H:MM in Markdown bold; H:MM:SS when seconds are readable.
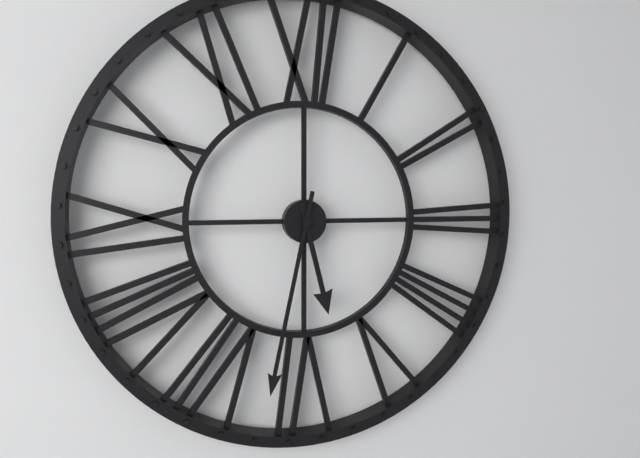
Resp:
**5:32**
